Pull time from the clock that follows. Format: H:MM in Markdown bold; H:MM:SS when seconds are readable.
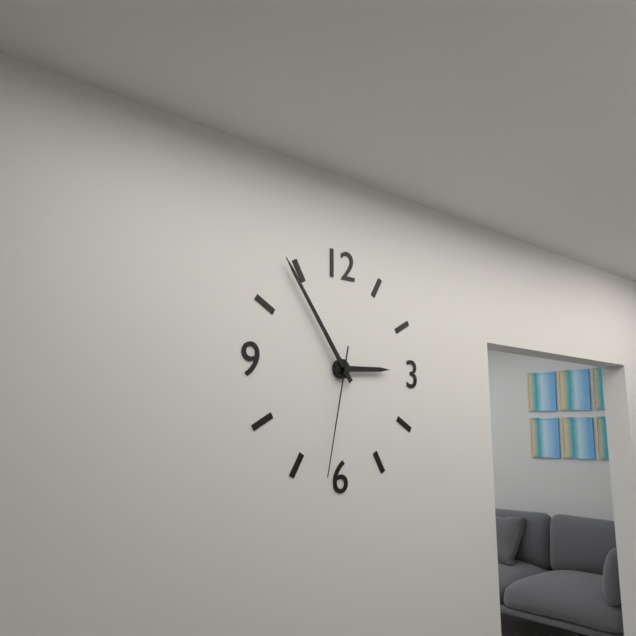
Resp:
**2:54:32**
